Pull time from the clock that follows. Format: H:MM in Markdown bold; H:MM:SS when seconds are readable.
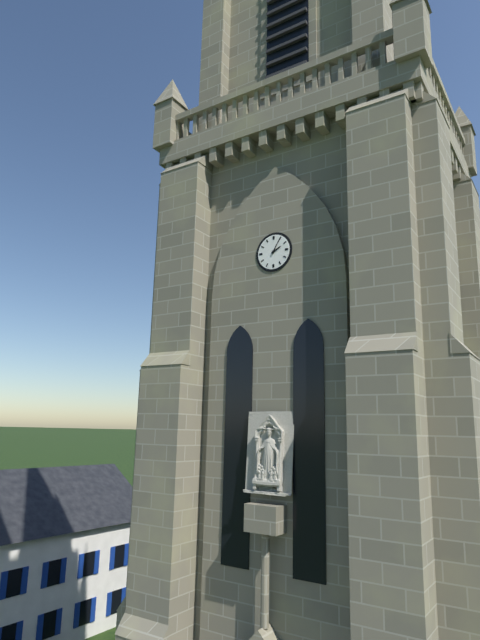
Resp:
**2:05**
